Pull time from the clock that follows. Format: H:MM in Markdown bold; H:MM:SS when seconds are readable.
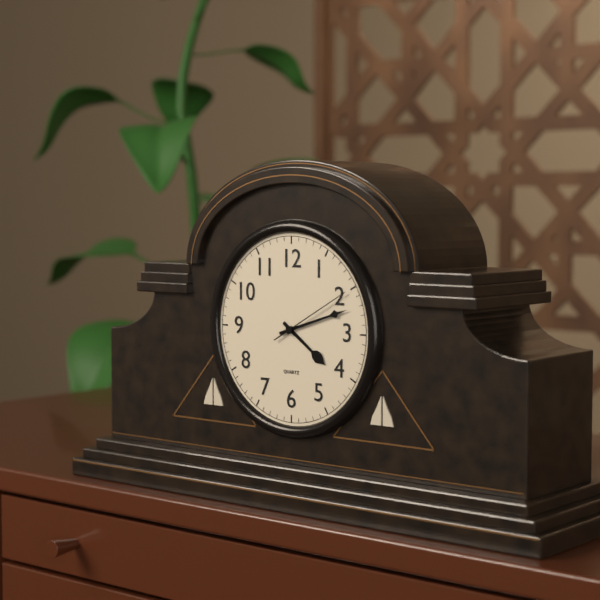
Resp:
**4:12:10**
